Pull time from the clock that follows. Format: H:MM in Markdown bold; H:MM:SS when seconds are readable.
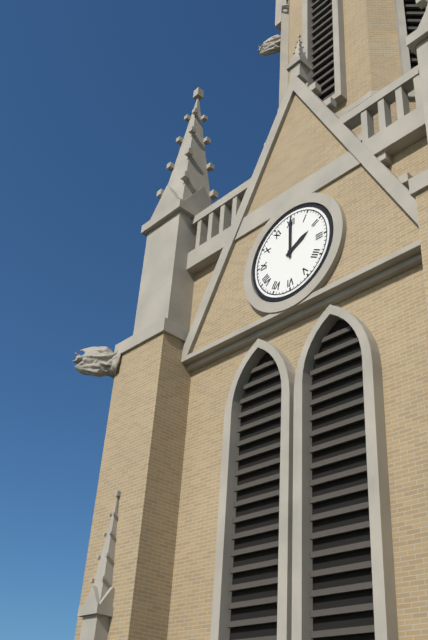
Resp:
**2:00**
